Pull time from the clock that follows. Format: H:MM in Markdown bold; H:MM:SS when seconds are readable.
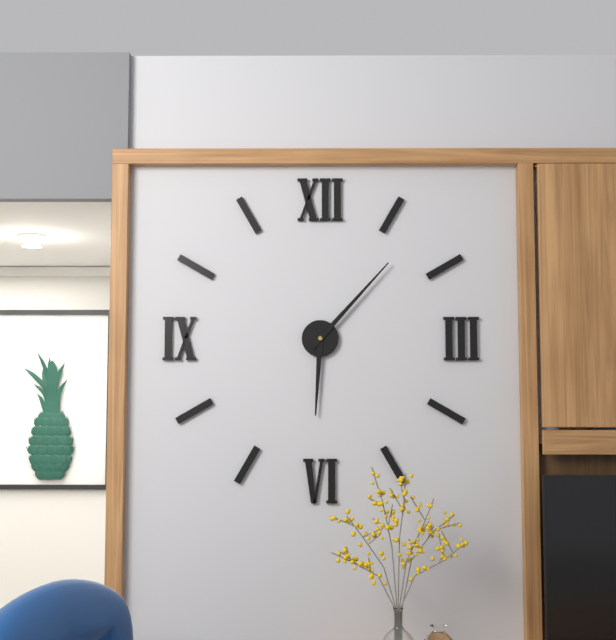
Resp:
**6:07**
